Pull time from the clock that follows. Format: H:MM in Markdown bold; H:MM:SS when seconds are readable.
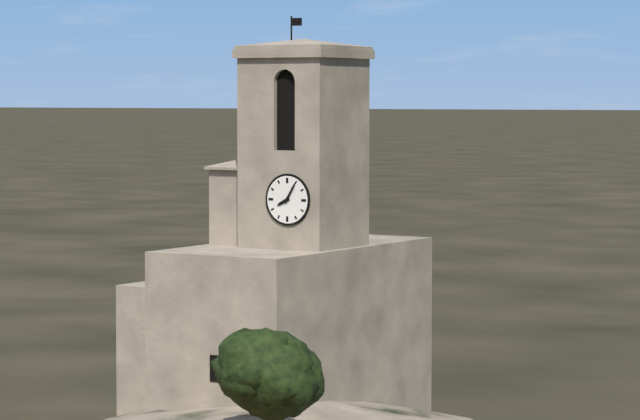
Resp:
**8:05**
